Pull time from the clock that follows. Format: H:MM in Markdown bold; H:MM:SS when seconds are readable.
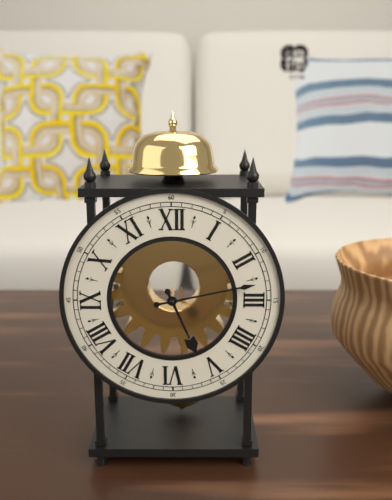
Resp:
**5:13**
